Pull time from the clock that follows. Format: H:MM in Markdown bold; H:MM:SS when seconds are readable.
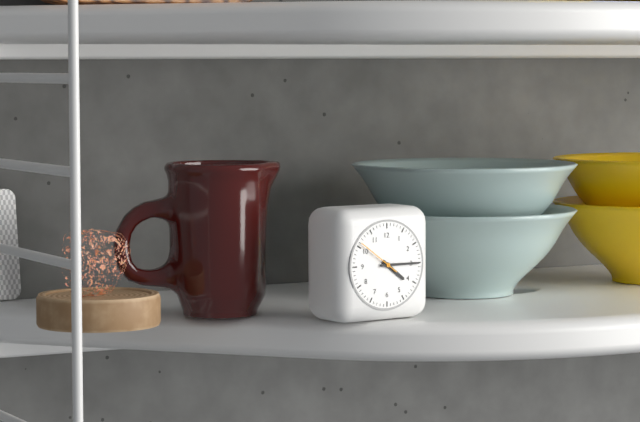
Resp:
**4:15**
